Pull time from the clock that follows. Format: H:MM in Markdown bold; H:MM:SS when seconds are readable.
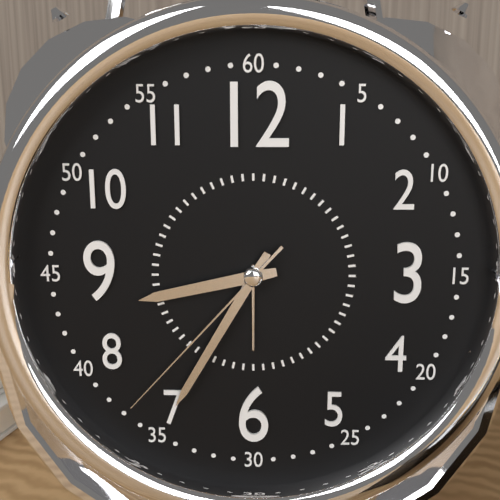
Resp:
**8:35:37**
